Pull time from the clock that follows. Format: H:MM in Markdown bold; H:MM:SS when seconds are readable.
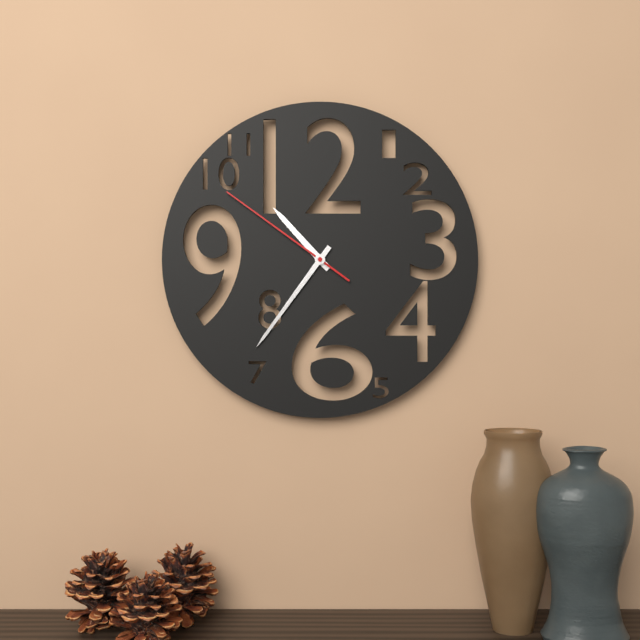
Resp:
**10:36:51**
